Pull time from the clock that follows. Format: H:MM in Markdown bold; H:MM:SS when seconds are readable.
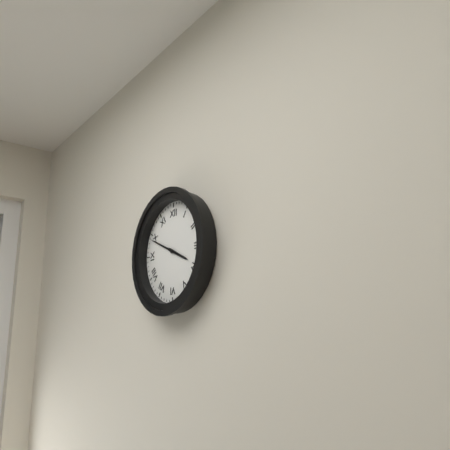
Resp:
**3:49**
